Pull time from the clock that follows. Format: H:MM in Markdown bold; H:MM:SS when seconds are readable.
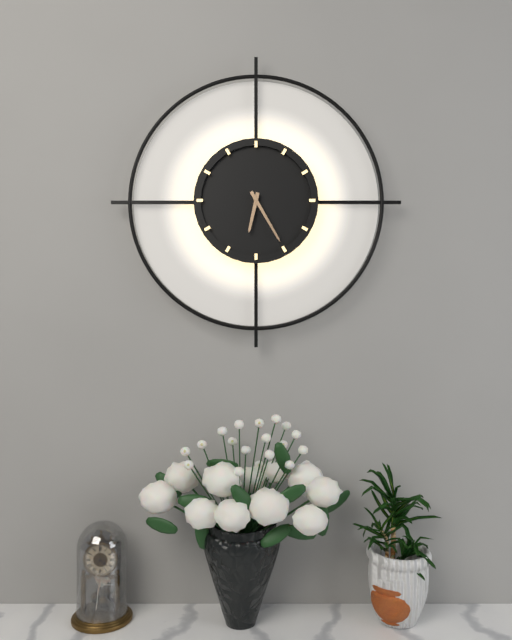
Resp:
**6:25**
